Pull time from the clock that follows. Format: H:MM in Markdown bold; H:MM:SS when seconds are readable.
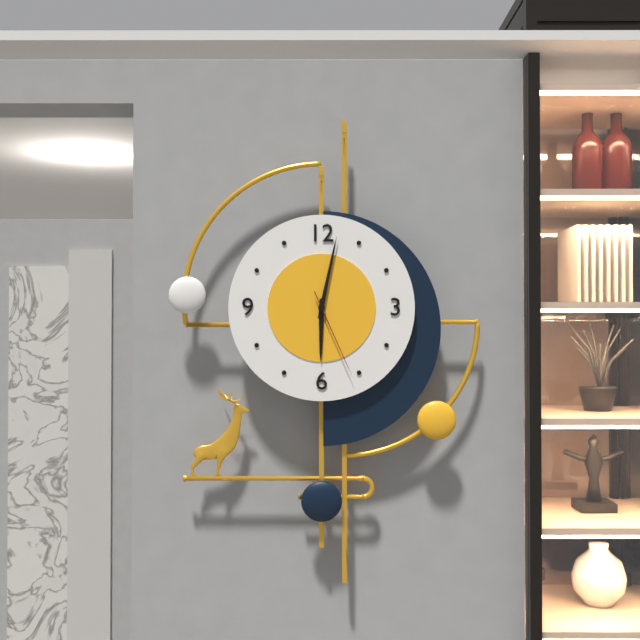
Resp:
**6:02:26**
